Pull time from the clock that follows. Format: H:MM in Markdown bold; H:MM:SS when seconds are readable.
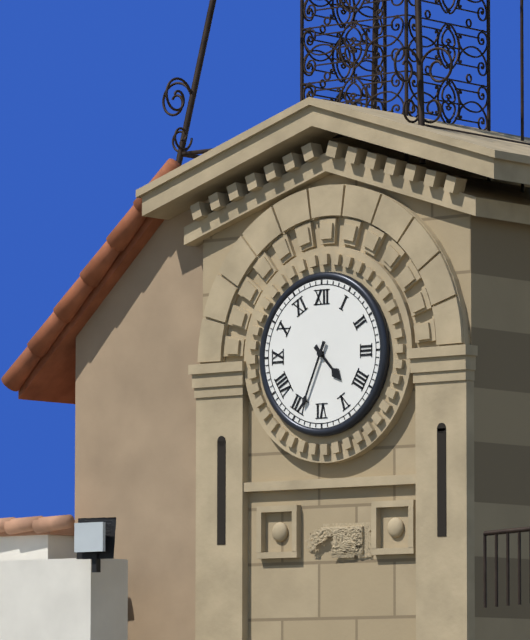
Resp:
**4:34**
